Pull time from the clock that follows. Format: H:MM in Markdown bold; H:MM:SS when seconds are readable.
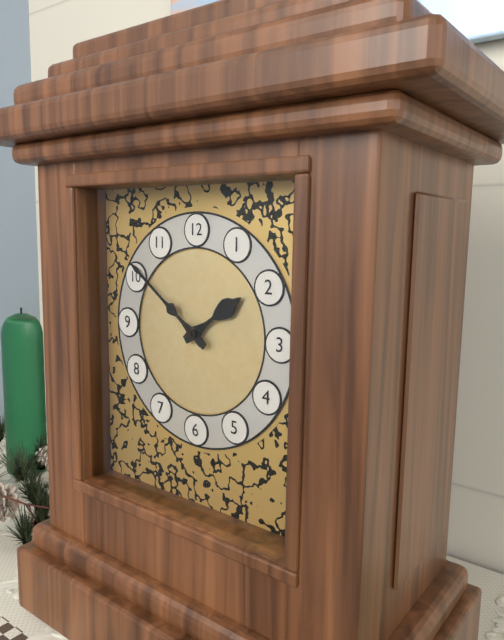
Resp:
**1:51**
